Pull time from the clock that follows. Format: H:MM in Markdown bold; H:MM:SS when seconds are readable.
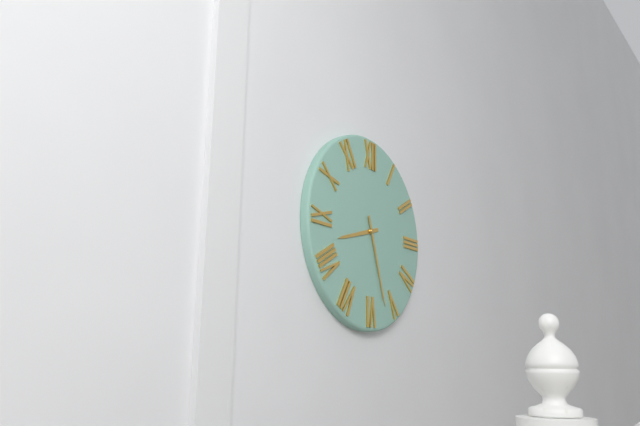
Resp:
**8:27**
